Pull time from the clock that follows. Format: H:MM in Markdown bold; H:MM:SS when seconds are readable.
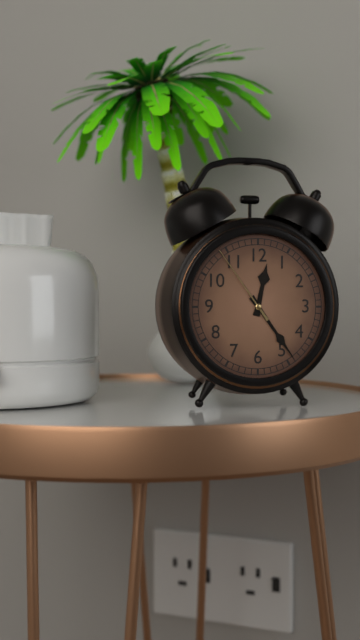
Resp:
**12:24:54**
